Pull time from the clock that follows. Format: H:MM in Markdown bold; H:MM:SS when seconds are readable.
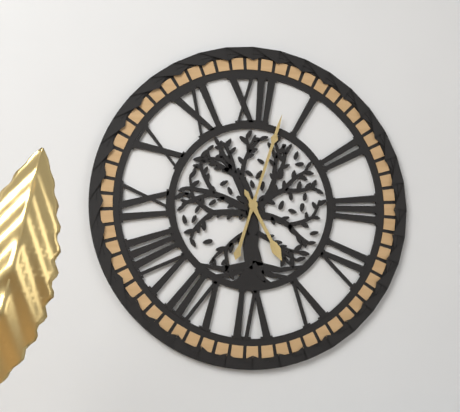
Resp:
**5:03**
